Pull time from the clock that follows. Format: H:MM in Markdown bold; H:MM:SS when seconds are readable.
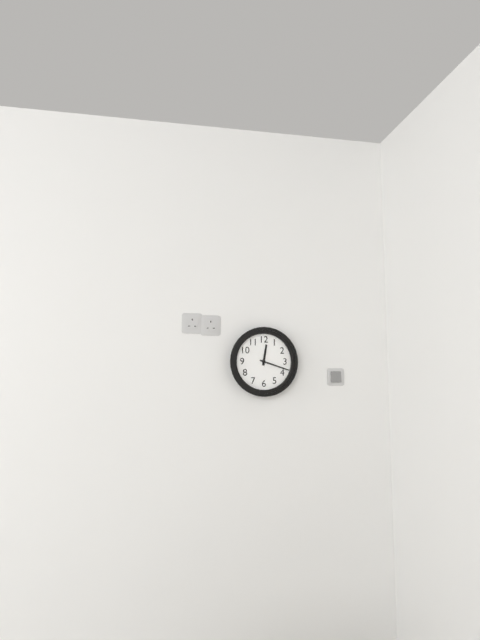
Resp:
**12:18**
